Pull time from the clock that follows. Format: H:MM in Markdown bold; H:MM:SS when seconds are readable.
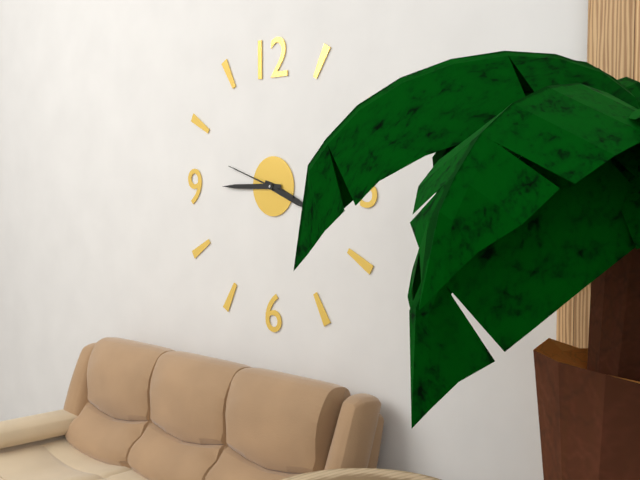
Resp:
**3:45:48**
